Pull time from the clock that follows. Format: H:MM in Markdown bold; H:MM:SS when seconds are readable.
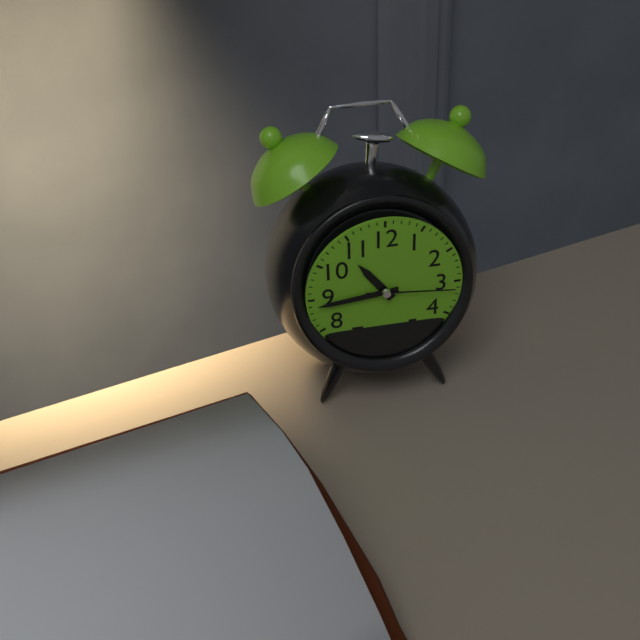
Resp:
**10:44:16**
